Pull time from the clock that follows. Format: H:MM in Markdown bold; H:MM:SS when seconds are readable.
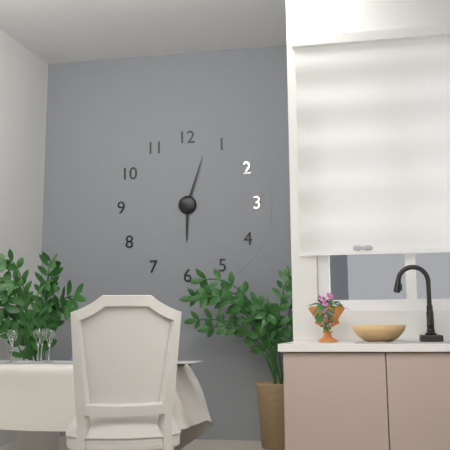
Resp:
**6:03**
